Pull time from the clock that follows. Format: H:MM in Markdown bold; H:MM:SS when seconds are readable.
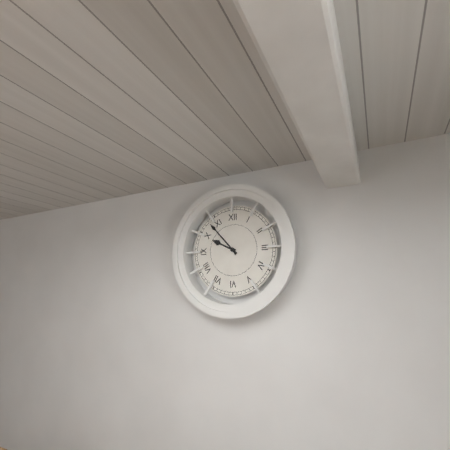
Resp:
**9:53**
